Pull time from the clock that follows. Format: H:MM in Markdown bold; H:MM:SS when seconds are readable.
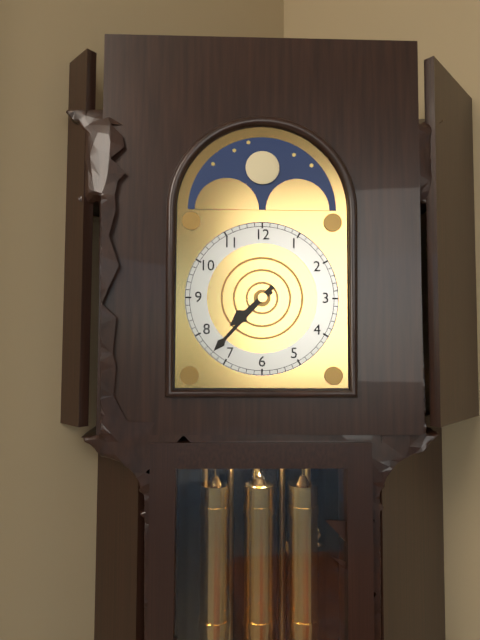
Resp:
**7:37**
